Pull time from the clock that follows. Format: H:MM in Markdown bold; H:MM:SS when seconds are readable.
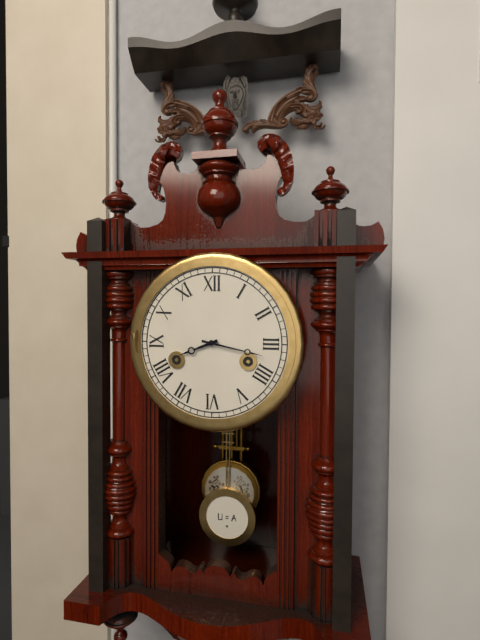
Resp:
**8:17**
